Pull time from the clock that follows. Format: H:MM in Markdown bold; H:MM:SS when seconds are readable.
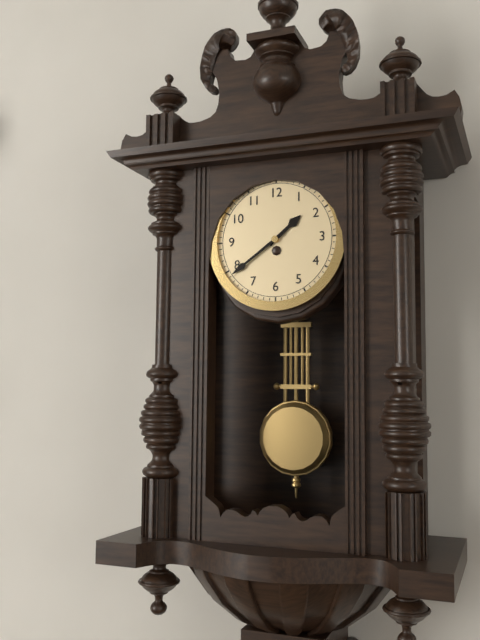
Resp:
**1:39**
